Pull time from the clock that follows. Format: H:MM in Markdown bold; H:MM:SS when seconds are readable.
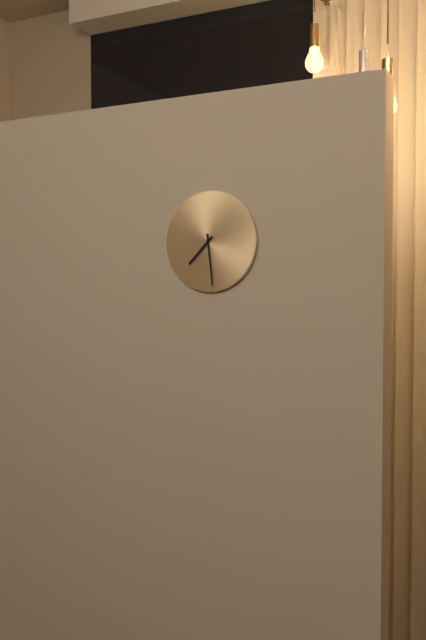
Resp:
**7:29**
